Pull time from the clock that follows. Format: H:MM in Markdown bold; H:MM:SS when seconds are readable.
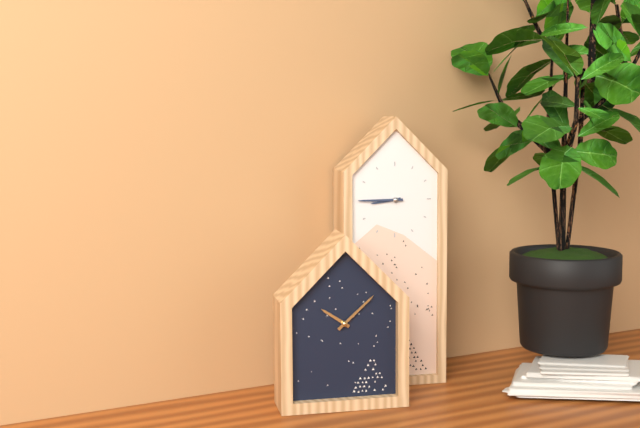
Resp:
**8:45**
